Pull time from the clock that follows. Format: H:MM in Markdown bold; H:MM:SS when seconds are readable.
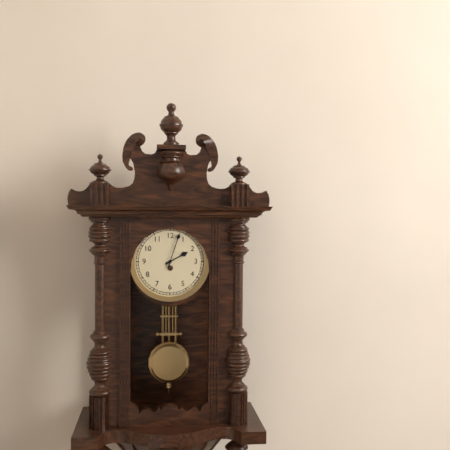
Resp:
**2:03**
